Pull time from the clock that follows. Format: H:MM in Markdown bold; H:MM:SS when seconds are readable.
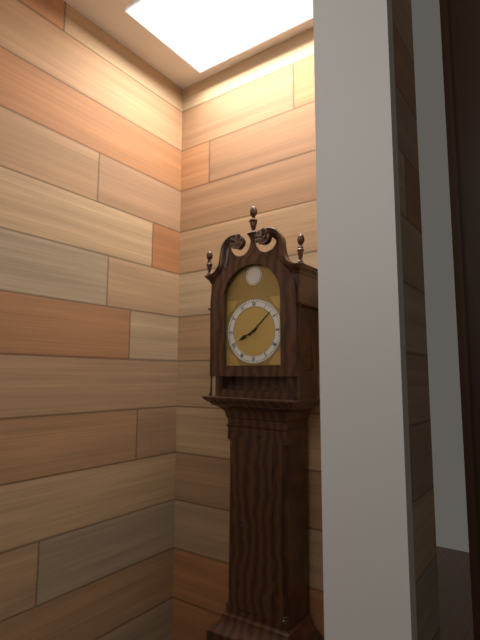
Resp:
**8:08**
